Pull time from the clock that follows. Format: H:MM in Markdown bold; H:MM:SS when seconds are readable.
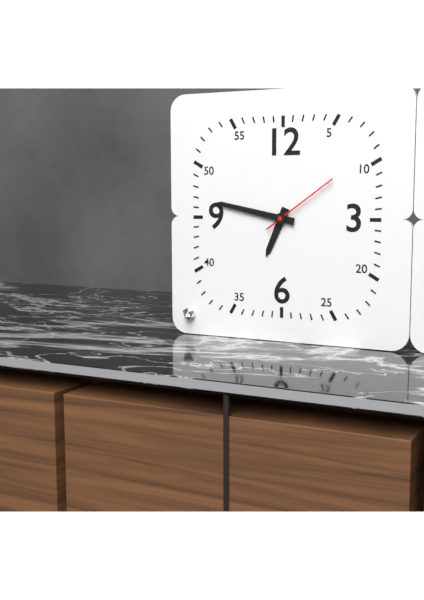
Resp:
**6:47:09**
